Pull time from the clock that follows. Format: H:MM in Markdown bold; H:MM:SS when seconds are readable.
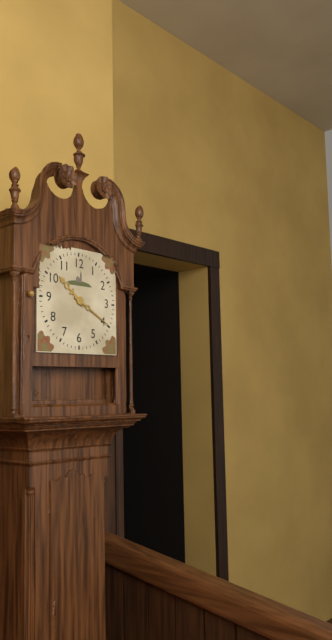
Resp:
**10:20**
